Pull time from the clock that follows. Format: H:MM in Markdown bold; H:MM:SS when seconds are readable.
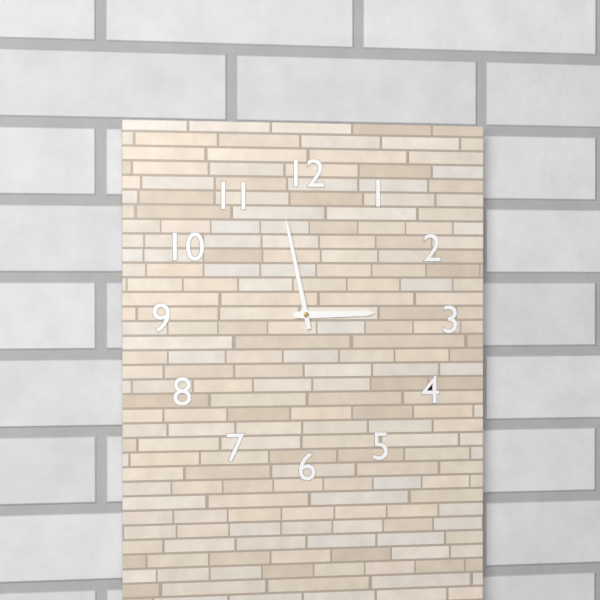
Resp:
**2:58**
